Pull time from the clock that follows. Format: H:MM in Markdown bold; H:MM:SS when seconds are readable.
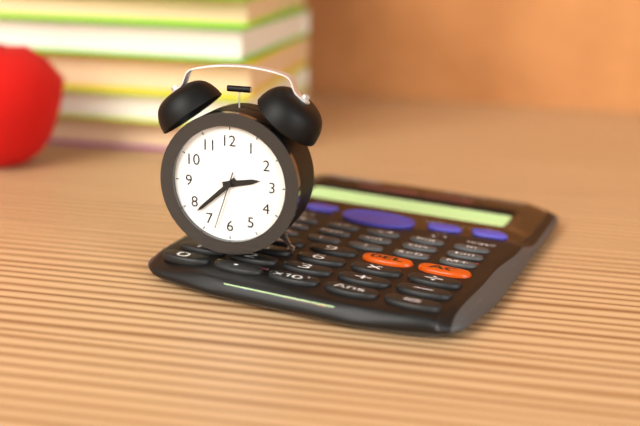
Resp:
**2:38:33**
